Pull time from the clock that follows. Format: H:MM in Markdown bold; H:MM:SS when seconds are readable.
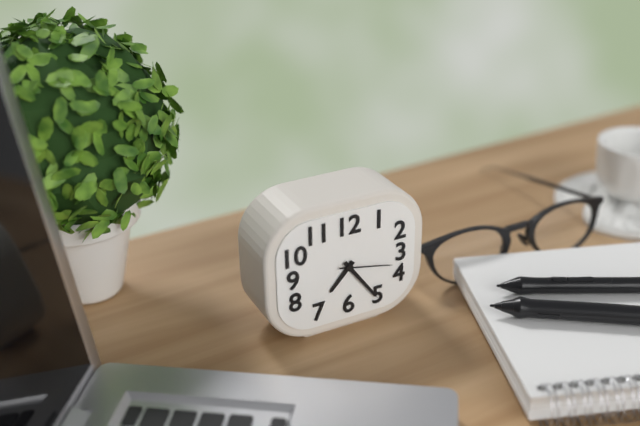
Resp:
**7:24:17**
